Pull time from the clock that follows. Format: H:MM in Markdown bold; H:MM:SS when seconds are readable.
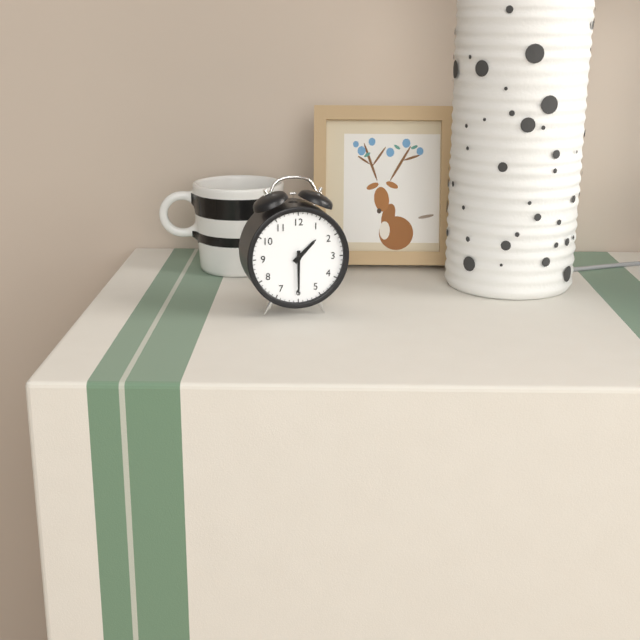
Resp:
**1:30**
